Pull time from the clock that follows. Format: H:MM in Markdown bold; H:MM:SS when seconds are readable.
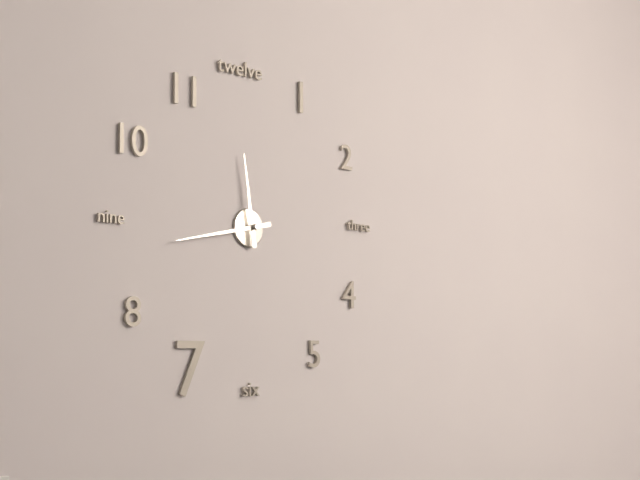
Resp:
**11:43**
